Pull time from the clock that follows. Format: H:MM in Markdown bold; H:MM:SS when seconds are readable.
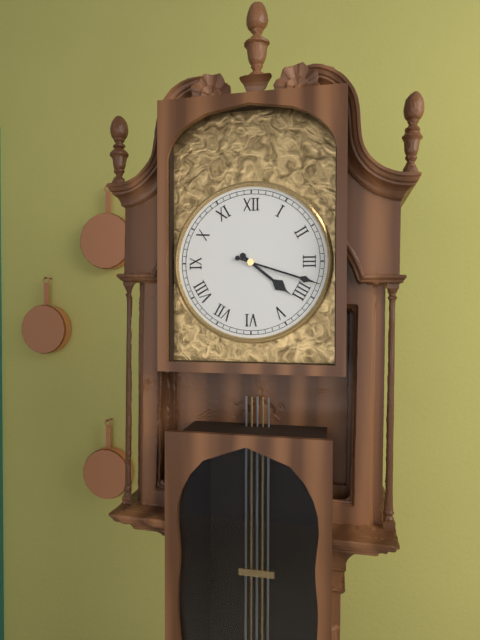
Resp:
**4:18**
